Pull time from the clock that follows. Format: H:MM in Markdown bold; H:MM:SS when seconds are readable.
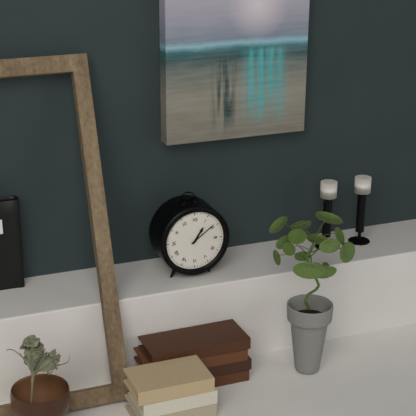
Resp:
**1:09**
